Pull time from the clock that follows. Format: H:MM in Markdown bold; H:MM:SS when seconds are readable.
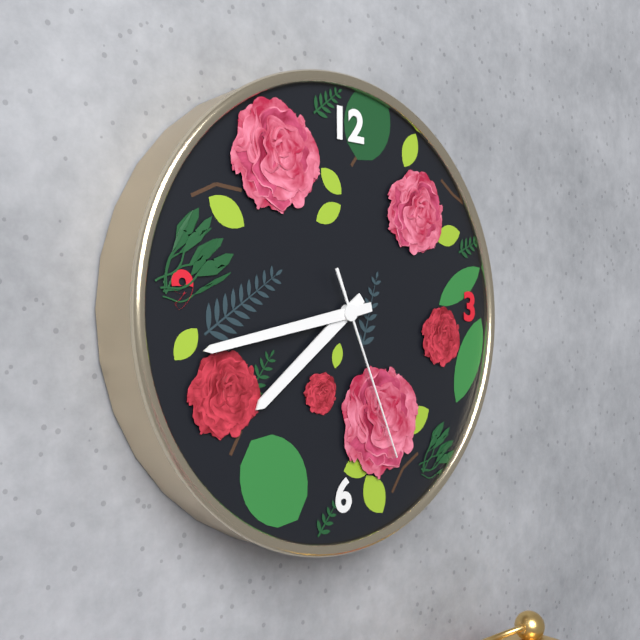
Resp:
**7:43:26**
